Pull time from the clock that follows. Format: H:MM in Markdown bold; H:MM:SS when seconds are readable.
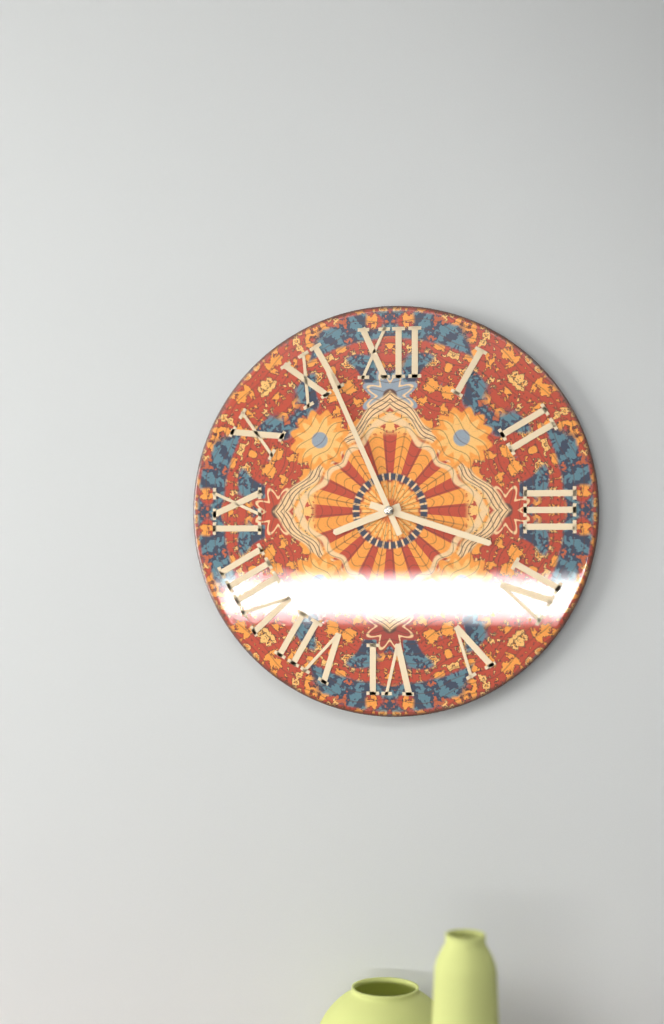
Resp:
**8:18:56**
